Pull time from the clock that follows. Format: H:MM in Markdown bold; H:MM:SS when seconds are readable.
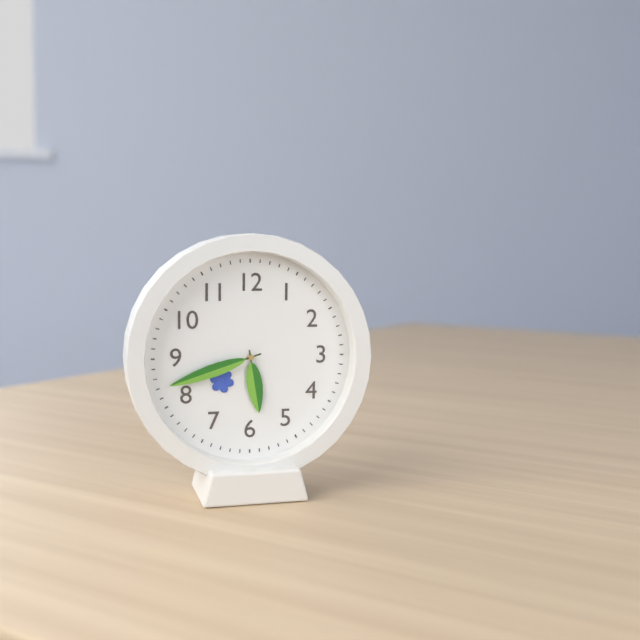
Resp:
**5:42**
